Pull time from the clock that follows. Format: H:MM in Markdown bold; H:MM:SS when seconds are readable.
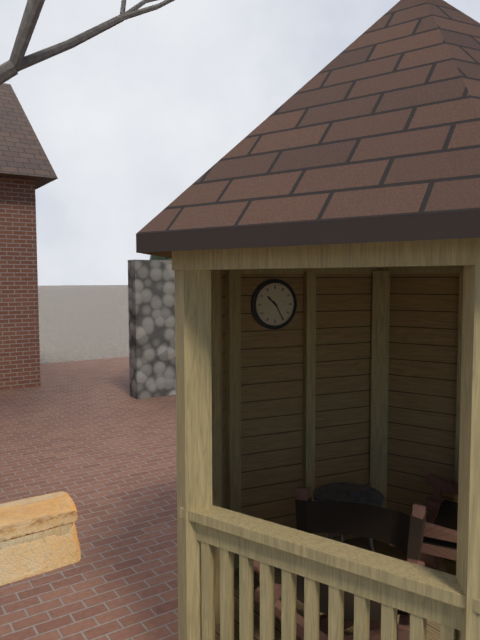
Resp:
**10:25**
